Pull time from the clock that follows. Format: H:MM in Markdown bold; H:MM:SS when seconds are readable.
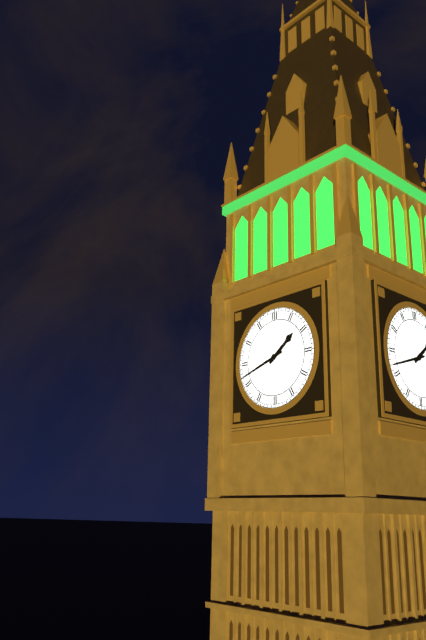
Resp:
**1:42**
